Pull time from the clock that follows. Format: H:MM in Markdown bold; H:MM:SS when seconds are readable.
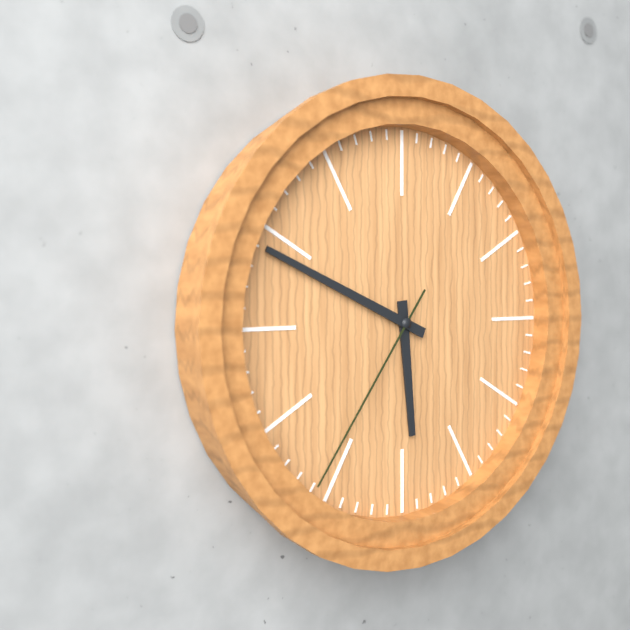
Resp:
**5:49:36**
